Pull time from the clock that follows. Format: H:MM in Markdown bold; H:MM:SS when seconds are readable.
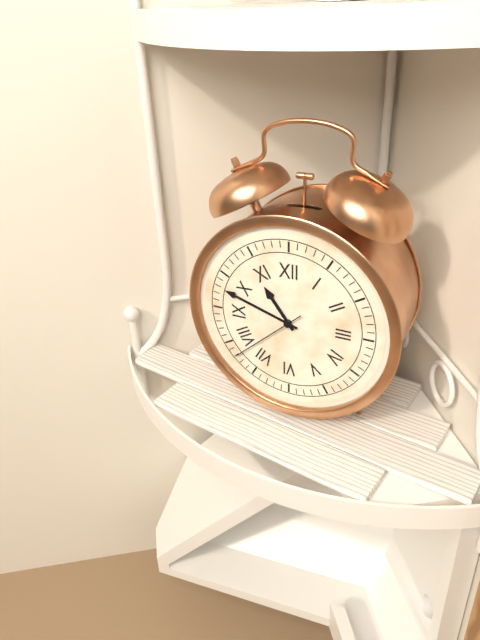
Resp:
**10:48:38**
